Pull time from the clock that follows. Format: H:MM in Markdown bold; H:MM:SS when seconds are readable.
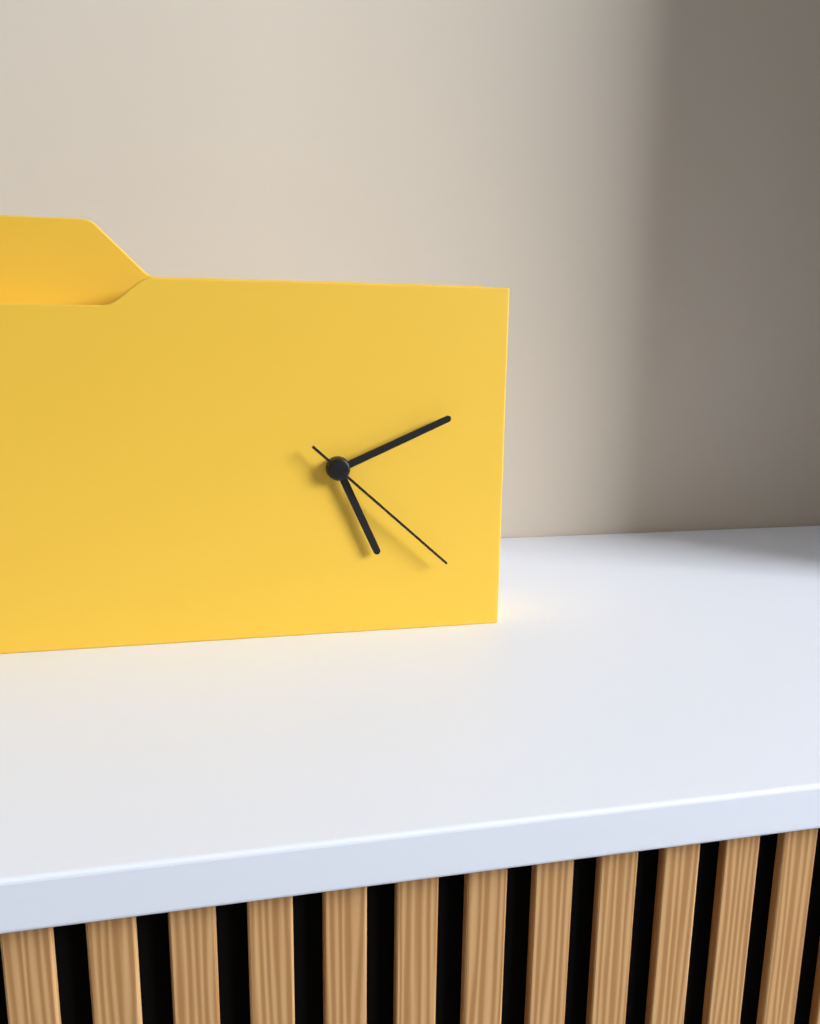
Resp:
**5:11:22**
